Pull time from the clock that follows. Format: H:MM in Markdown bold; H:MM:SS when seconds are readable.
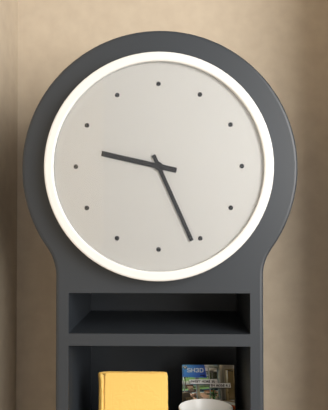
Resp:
**9:26**
